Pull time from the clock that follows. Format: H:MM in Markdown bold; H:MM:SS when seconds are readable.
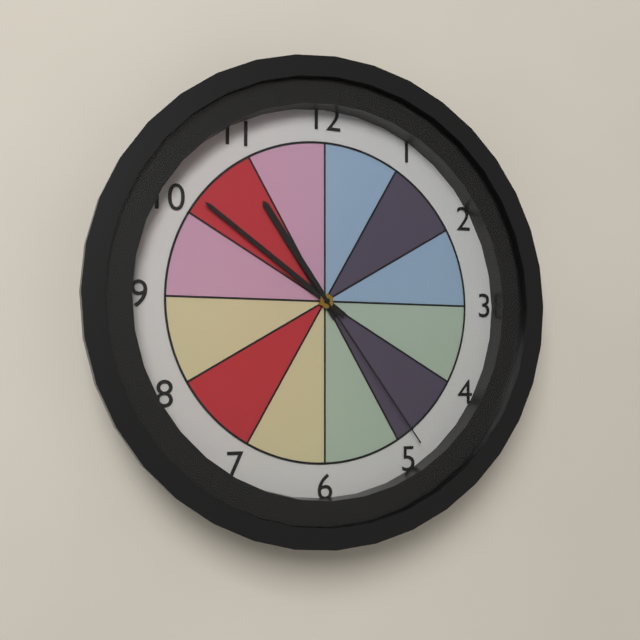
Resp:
**10:51:24**
